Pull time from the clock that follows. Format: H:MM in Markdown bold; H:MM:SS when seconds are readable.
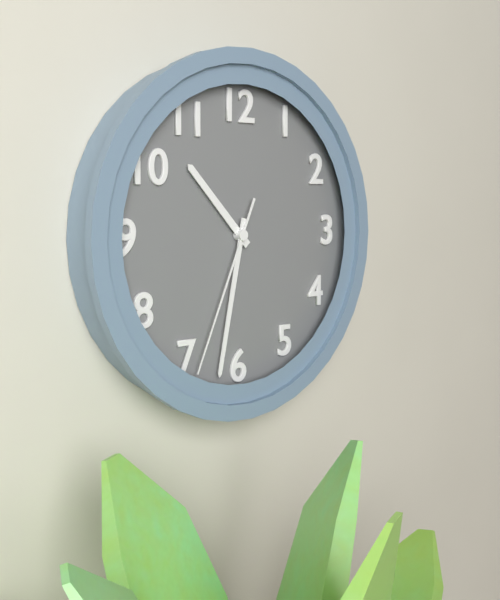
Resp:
**10:32:34**
